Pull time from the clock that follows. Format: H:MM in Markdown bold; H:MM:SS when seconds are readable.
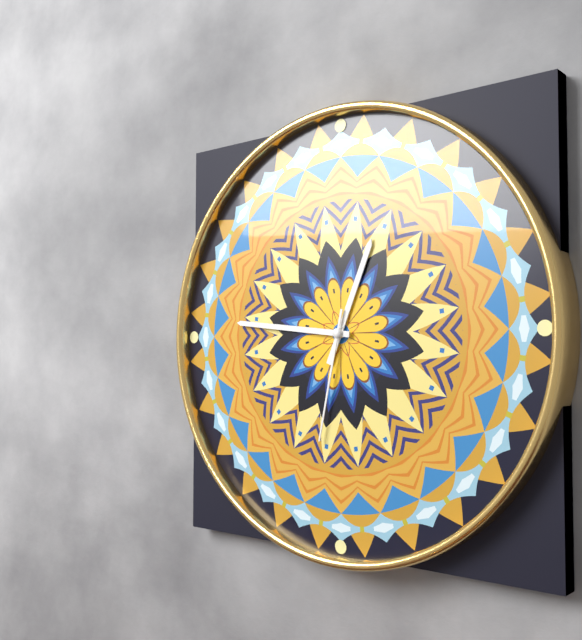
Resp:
**12:46:32**
